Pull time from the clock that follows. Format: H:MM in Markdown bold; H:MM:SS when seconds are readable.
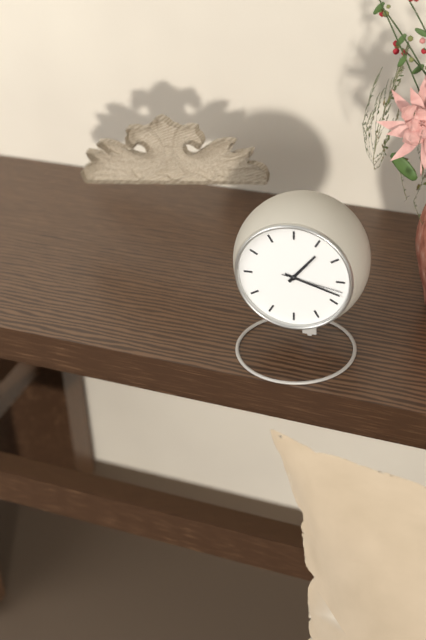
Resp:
**1:18:17**
